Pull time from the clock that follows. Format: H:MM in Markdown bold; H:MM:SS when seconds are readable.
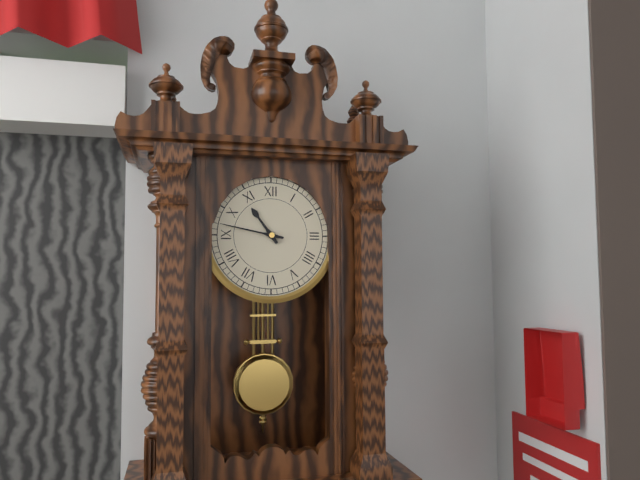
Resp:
**10:47**
